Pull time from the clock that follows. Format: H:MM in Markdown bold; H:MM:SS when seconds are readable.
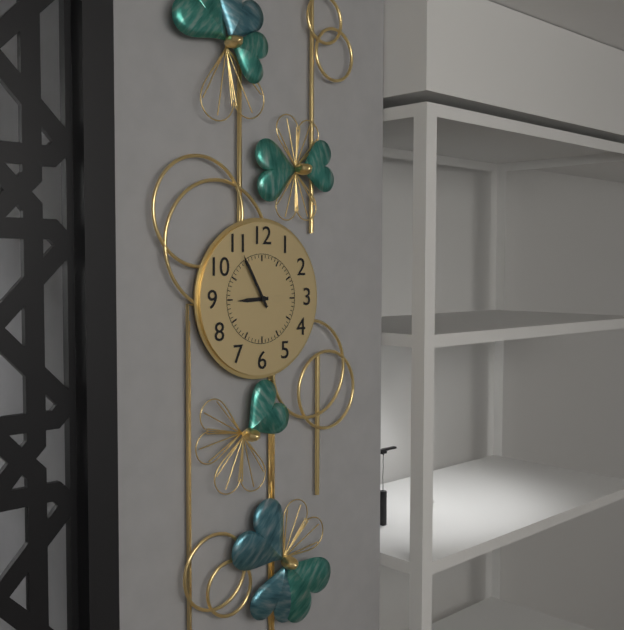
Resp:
**8:55**
